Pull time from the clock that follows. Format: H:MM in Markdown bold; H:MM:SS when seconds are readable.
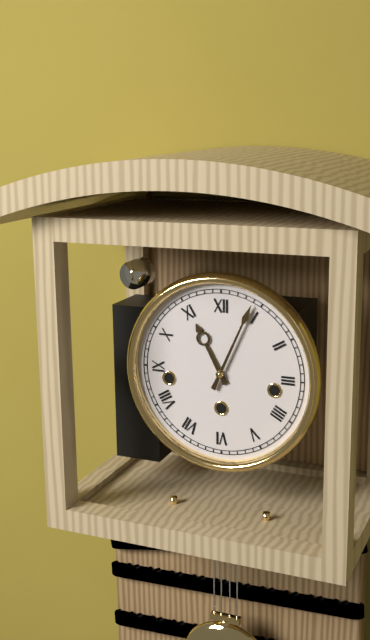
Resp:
**11:04**
